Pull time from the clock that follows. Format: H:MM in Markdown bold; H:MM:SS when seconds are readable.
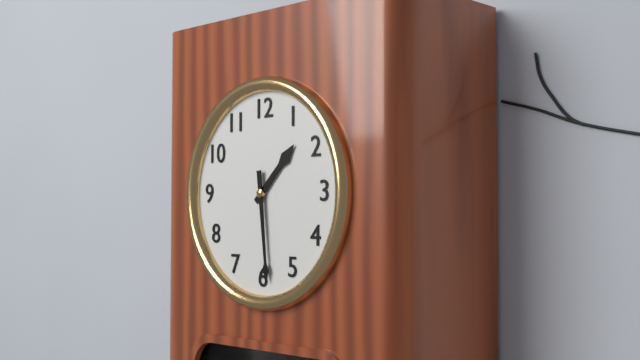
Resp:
**1:29**
